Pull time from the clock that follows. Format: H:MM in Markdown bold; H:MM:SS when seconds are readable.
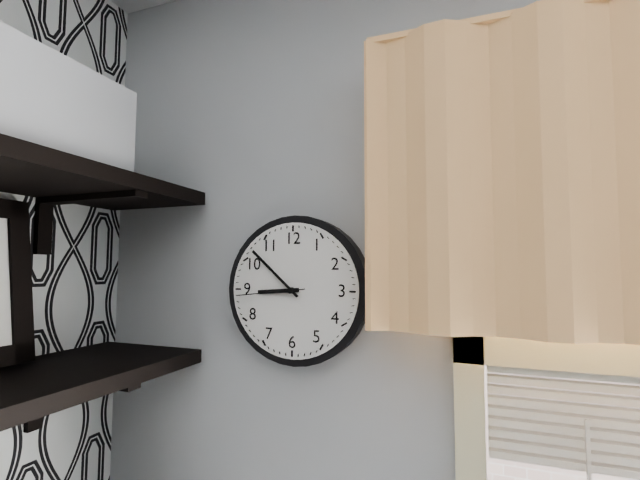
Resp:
**8:52:44**
